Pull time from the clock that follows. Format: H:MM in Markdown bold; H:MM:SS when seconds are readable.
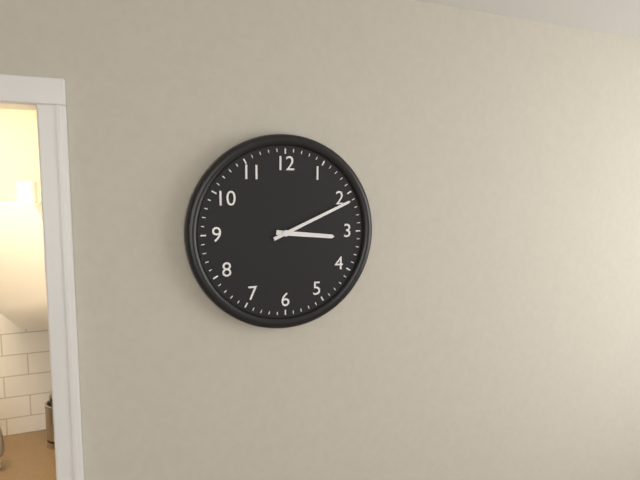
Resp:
**3:11**
